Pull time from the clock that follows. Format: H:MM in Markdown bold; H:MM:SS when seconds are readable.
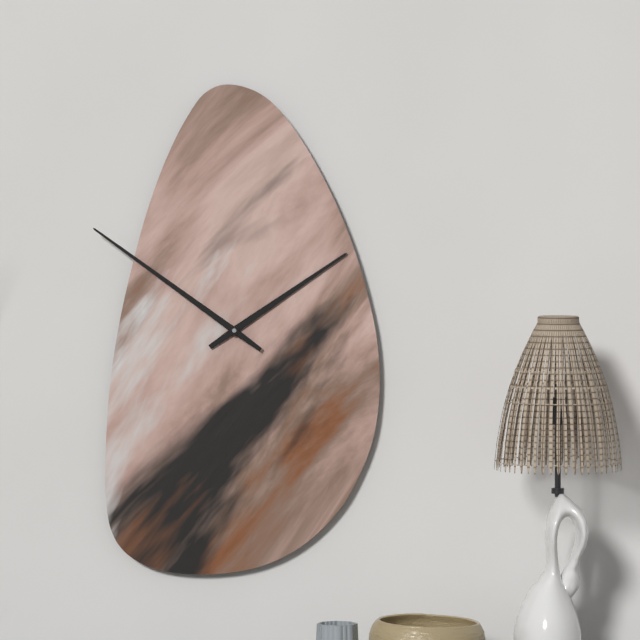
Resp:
**1:51**
